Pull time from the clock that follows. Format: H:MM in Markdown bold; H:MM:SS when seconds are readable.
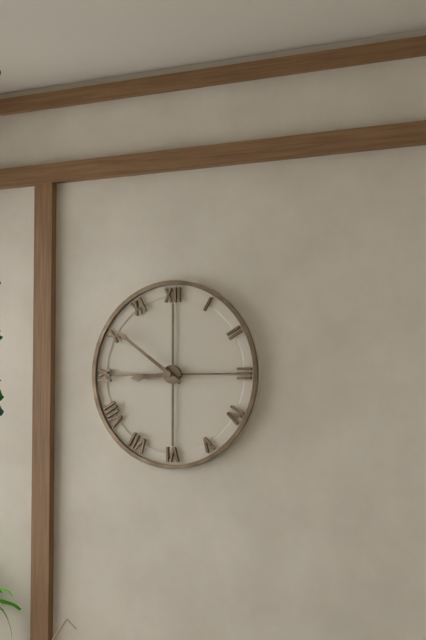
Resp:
**8:51**
